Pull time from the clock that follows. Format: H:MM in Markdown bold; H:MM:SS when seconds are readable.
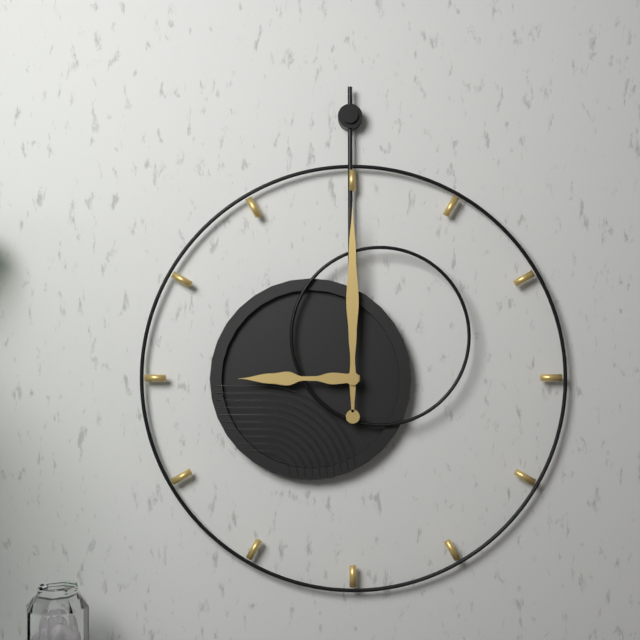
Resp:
**9:00**
